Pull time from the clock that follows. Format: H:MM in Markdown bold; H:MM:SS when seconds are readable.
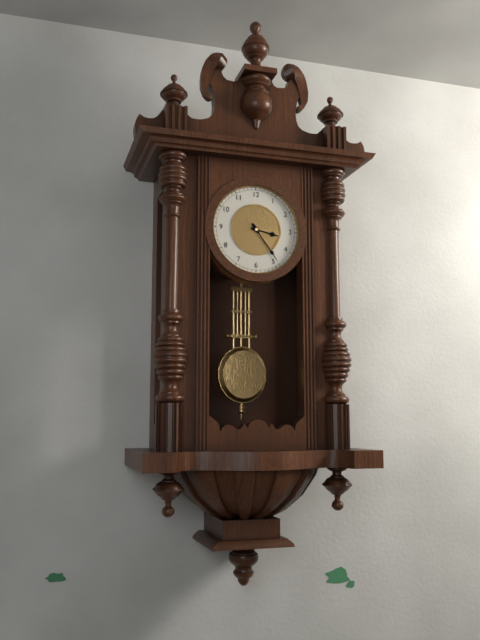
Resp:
**3:24**
